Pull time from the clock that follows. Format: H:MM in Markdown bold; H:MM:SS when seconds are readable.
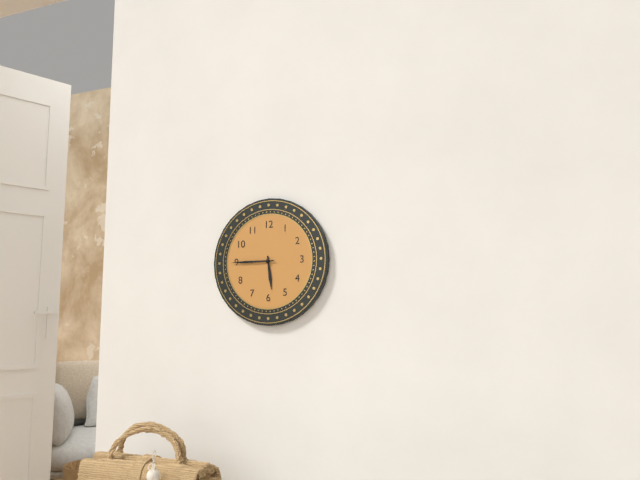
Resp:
**5:45**
